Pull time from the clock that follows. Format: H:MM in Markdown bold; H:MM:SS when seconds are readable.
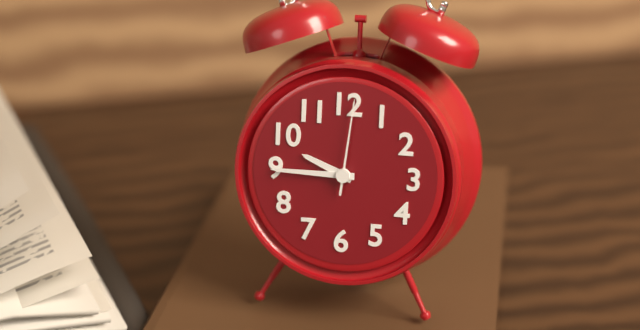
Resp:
**9:45:01**
